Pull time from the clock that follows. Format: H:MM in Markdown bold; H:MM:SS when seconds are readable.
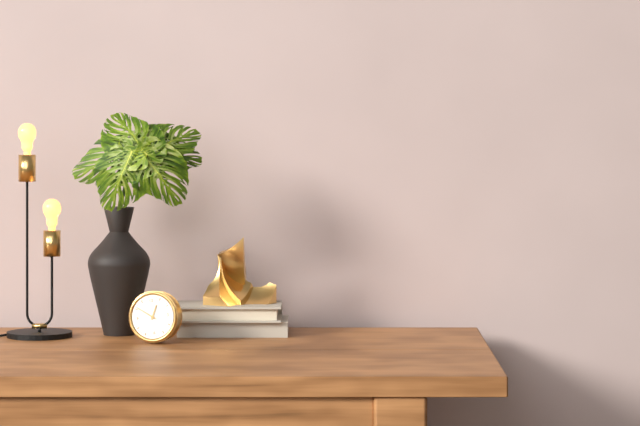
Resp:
**12:51**
